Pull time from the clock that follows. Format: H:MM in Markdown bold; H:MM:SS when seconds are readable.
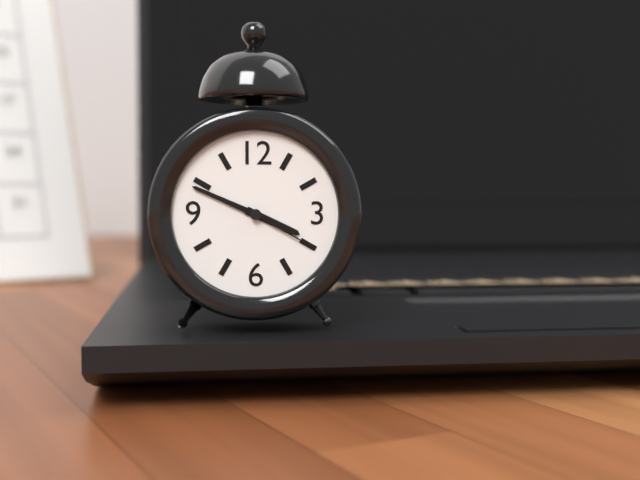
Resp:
**3:49:20**
